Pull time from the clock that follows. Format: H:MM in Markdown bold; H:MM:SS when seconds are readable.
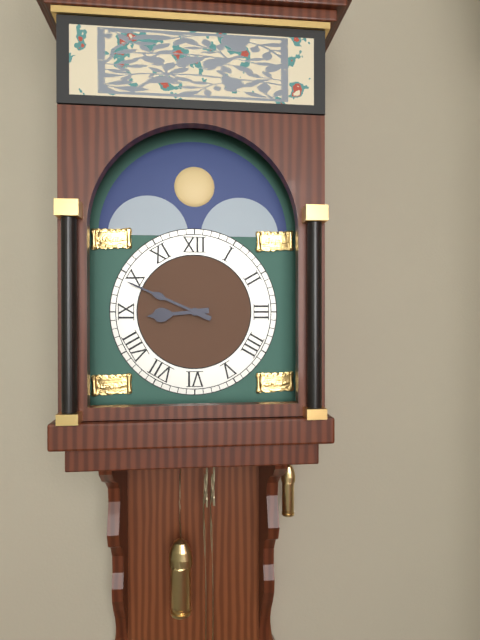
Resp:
**8:49**
